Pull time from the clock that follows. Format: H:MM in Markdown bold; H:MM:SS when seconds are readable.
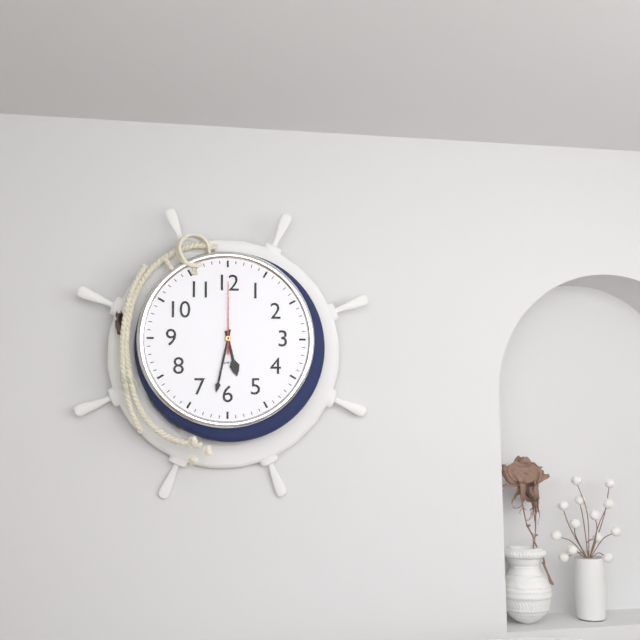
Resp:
**5:32:00**
